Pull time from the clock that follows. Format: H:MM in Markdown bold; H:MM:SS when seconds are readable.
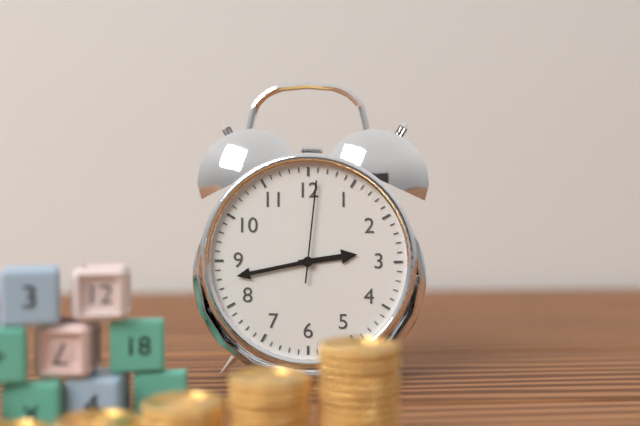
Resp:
**2:43:01**
